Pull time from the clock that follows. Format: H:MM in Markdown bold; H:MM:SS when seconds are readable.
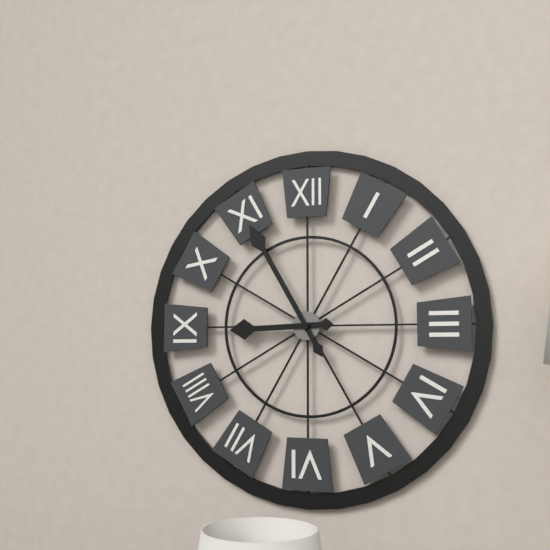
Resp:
**8:55**
